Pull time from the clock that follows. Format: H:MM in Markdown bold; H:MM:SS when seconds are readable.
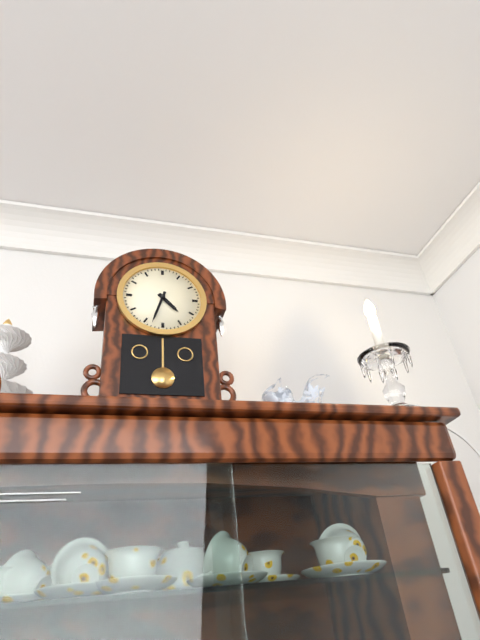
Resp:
**4:33**
